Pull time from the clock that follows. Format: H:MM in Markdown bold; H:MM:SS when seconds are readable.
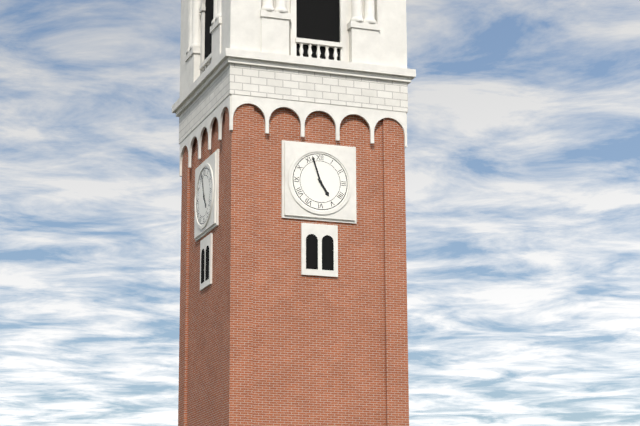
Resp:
**4:57**
